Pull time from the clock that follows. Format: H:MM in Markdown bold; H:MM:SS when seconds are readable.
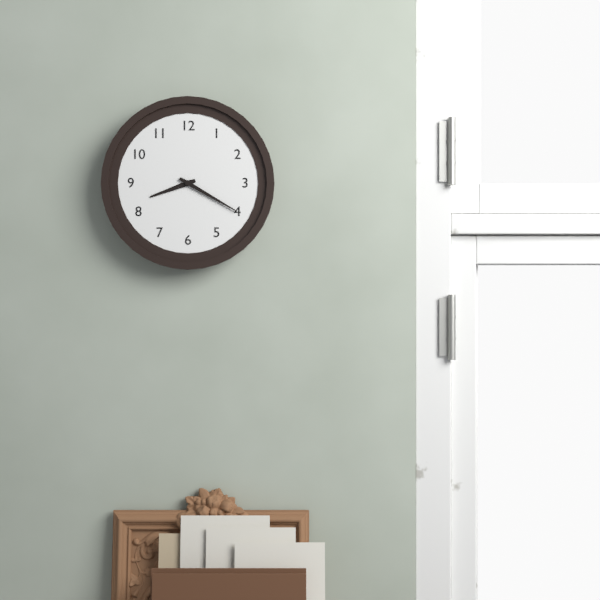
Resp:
**8:20**
